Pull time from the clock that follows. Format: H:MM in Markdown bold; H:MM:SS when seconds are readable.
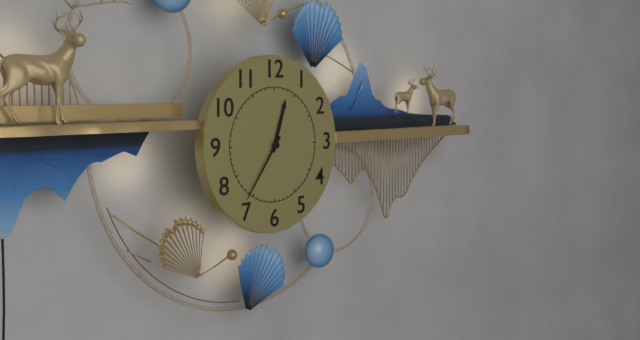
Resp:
**12:36**
